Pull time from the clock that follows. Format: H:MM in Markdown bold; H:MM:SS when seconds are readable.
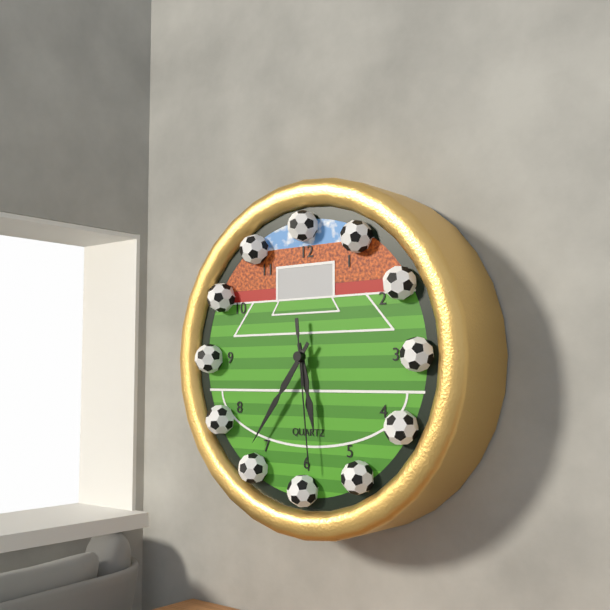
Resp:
**5:36:29**
